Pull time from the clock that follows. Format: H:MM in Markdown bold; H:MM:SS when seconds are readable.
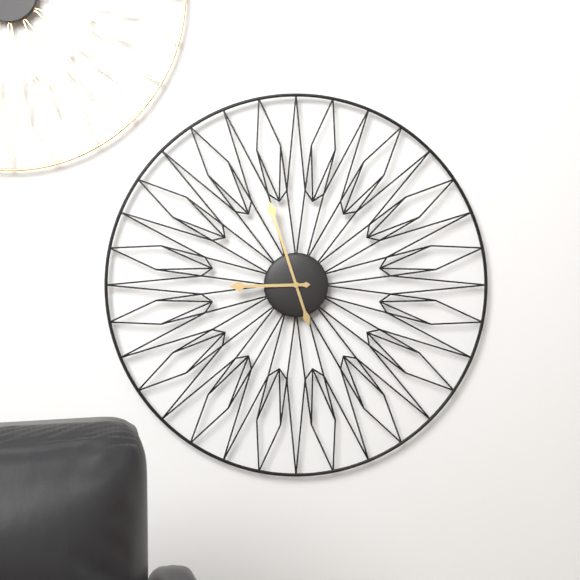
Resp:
**8:57**
